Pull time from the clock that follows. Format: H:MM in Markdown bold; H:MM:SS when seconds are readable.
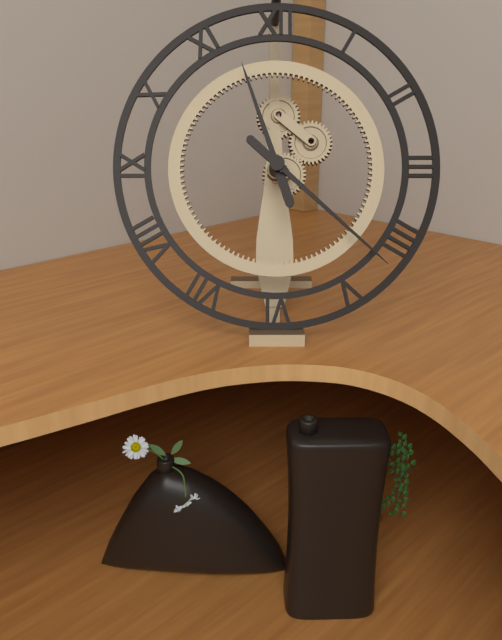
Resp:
**11:22**
